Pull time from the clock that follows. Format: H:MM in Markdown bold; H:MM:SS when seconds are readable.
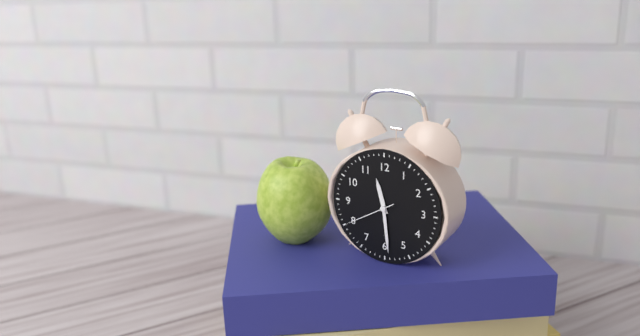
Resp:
**11:29:40**
